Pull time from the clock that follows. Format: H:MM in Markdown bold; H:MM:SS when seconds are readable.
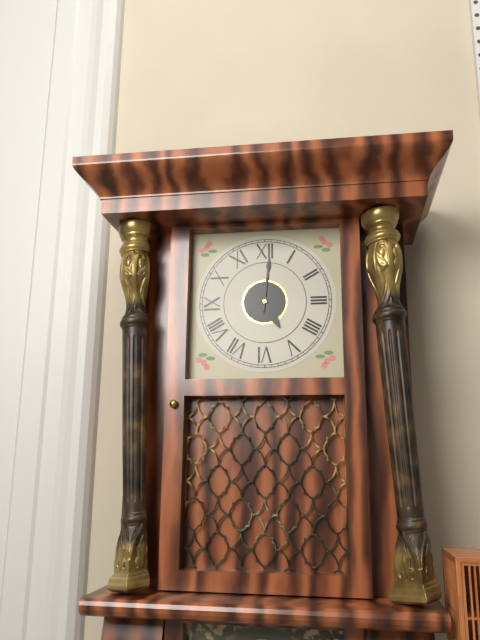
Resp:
**5:01**
